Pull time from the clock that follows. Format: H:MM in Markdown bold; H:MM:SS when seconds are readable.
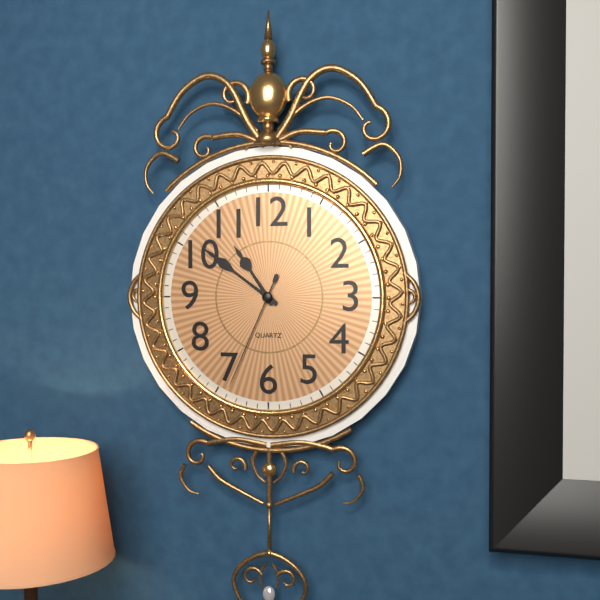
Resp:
**10:51:34**
